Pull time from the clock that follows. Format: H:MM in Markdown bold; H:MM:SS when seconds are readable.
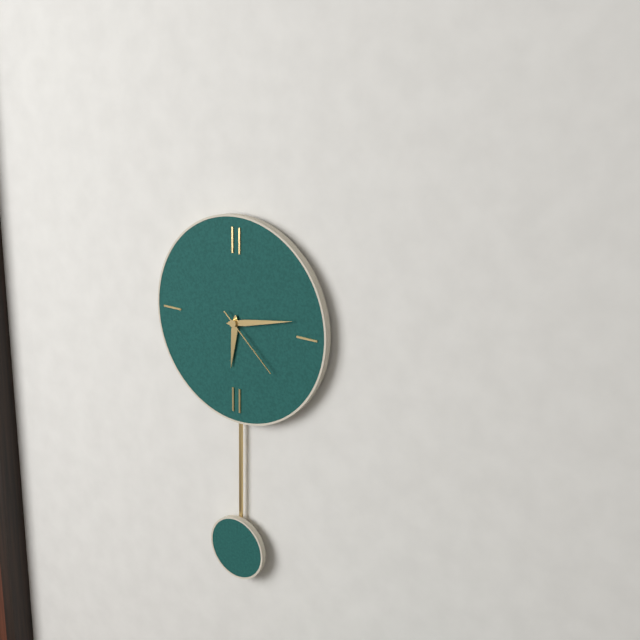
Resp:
**6:13:22**
